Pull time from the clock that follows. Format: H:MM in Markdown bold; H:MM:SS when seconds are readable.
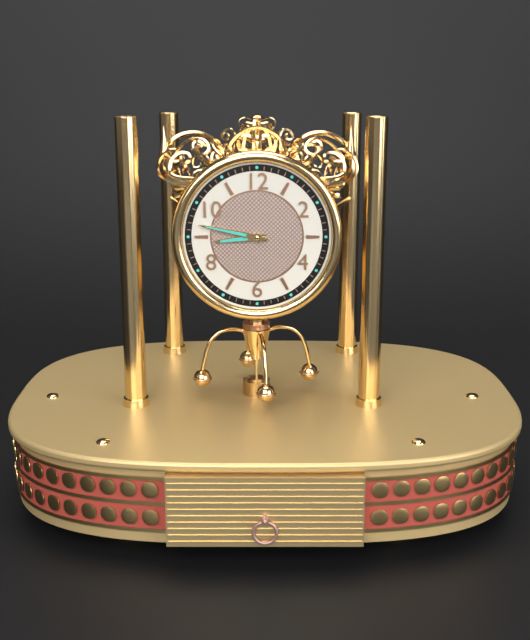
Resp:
**8:47**
